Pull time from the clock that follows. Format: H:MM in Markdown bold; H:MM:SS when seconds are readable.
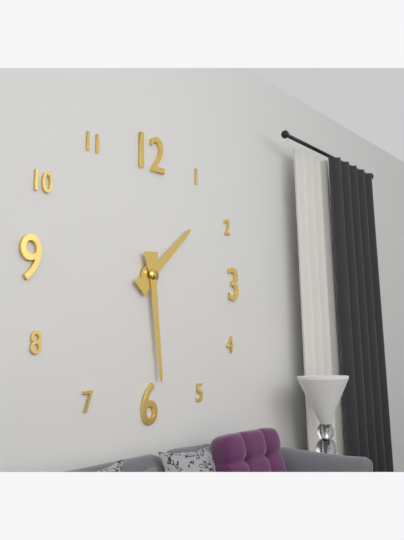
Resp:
**1:29**
